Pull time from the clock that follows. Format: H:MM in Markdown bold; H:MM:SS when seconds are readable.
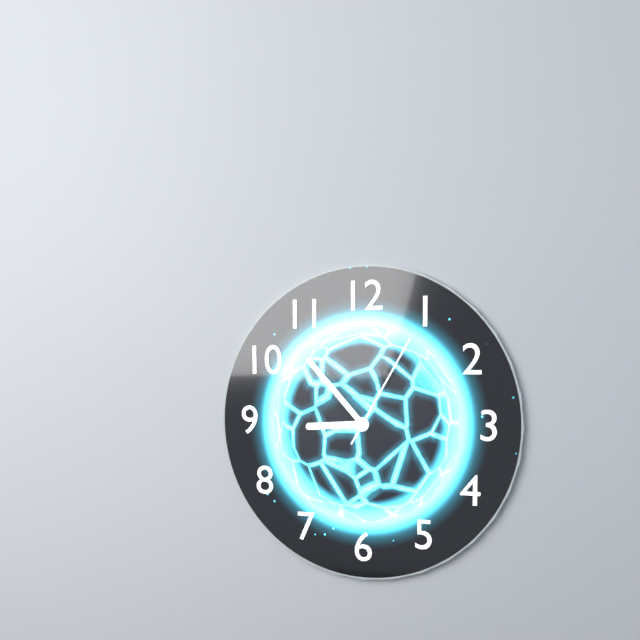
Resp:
**8:53:05**
